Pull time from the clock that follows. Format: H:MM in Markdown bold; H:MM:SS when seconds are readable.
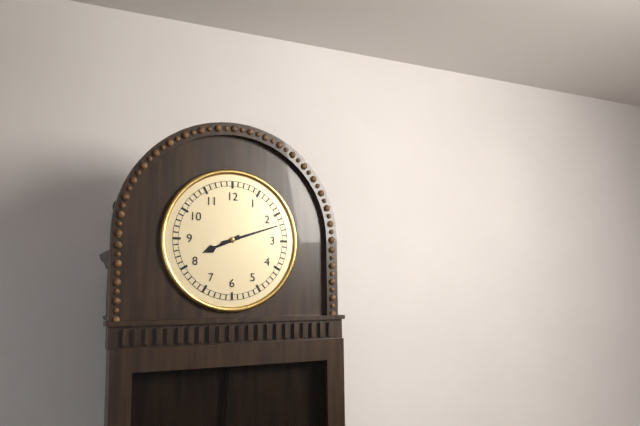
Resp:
**8:12**
